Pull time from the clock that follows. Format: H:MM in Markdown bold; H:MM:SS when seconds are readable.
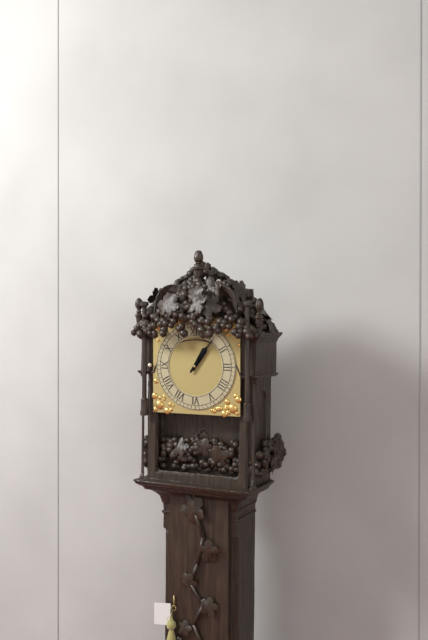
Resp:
**1:06**
